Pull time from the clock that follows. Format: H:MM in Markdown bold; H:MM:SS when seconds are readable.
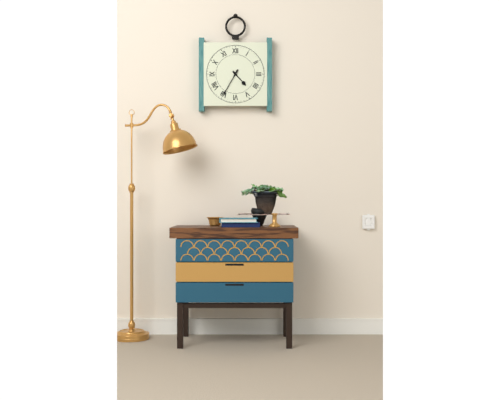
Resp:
**4:35**
